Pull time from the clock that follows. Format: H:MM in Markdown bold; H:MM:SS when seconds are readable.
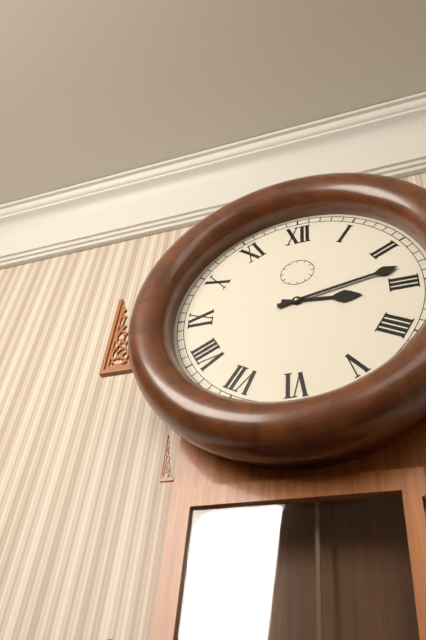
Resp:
**3:13**
